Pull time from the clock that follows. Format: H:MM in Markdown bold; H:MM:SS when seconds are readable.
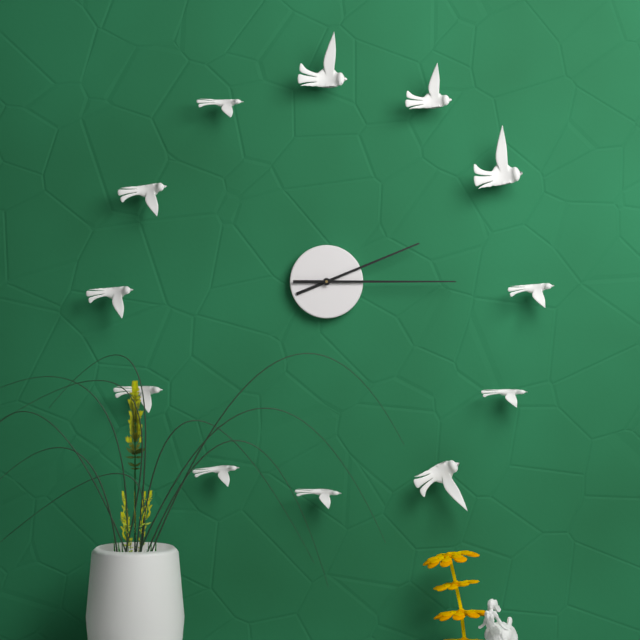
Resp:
**2:15**
